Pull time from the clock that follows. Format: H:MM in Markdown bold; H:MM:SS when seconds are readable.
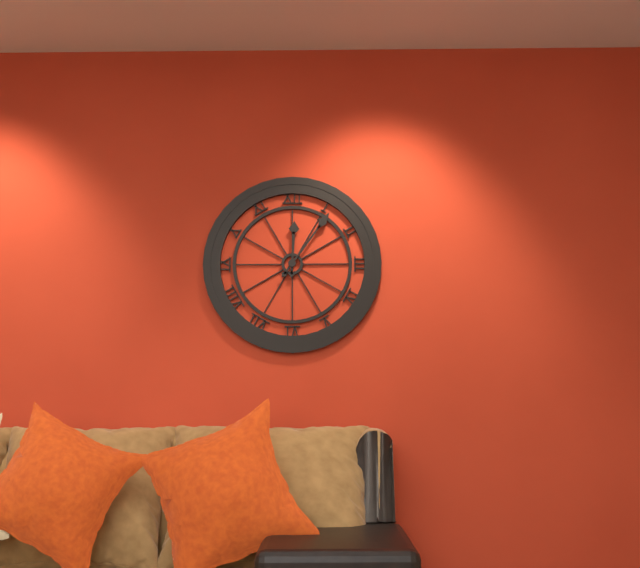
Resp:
**12:06**
